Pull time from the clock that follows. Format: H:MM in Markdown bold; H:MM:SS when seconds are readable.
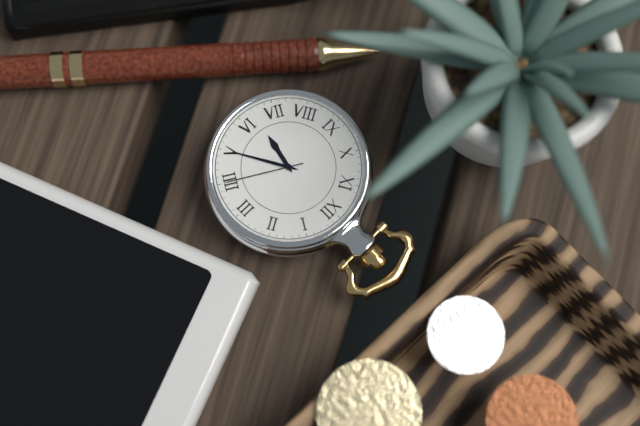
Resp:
**6:25:20**
